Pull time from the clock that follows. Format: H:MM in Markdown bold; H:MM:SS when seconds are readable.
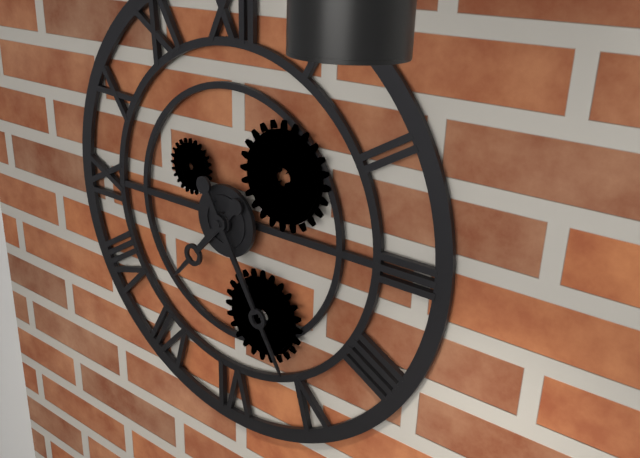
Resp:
**7:25**
